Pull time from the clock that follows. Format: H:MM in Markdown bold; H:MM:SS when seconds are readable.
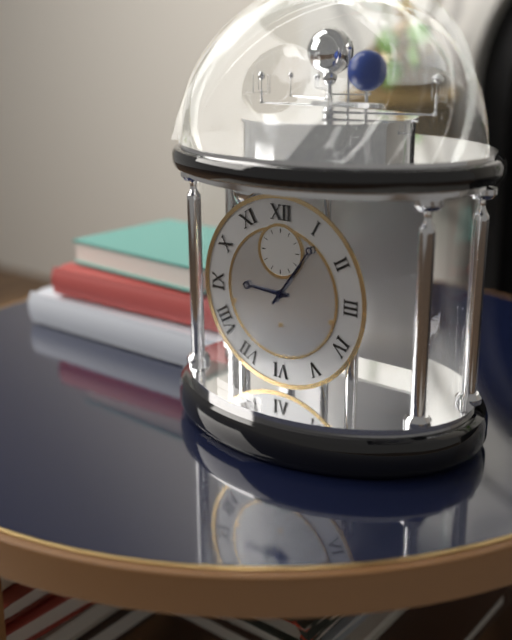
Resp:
**9:06**
